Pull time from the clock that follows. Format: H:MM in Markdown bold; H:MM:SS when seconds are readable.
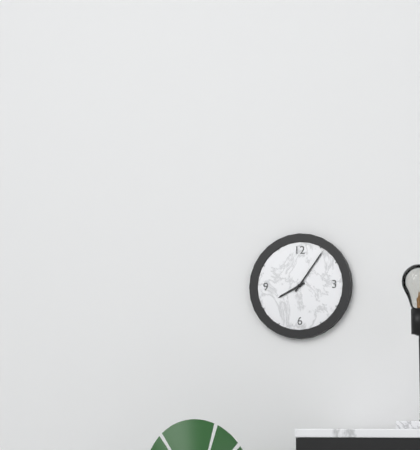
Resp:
**8:06**
